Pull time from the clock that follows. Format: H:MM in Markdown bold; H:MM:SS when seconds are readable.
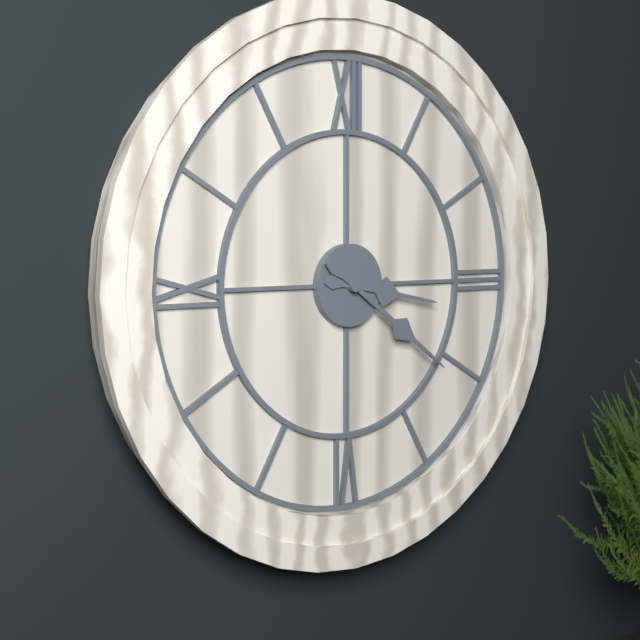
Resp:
**3:21**
